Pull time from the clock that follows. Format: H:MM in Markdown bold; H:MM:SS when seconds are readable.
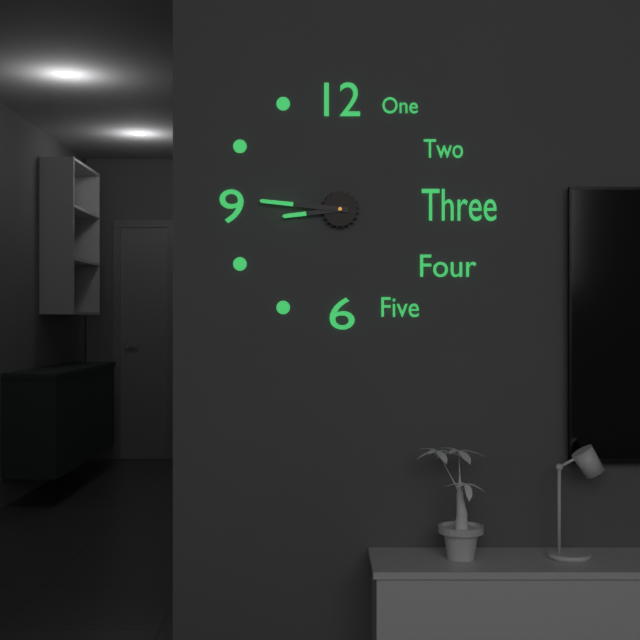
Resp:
**8:46**
